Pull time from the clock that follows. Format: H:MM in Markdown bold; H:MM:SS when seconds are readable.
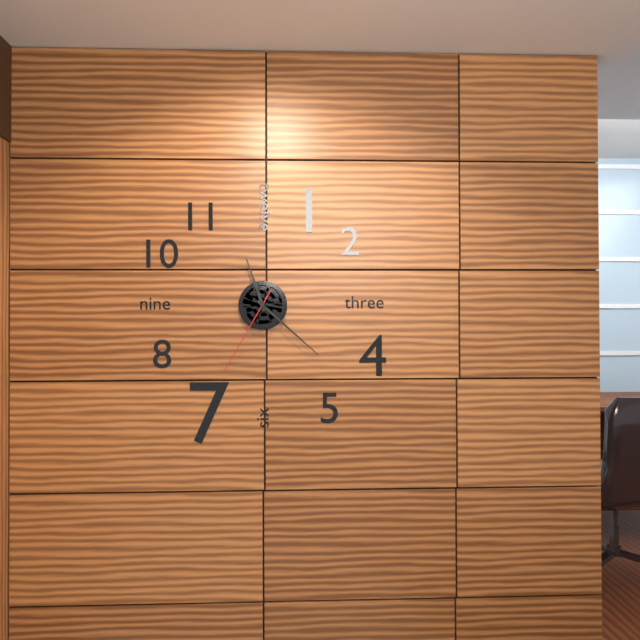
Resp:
**11:22:35**
